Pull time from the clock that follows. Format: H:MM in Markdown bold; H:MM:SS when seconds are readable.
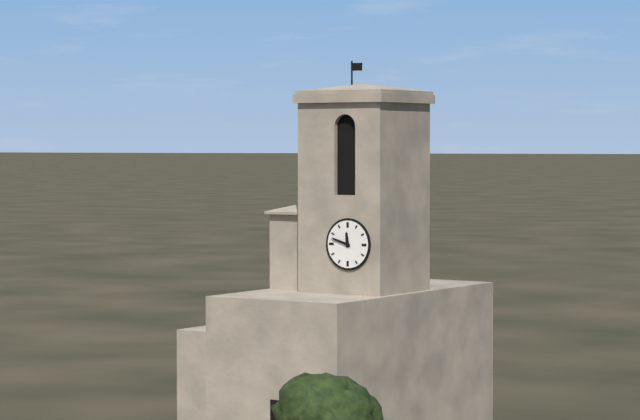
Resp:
**11:48**
